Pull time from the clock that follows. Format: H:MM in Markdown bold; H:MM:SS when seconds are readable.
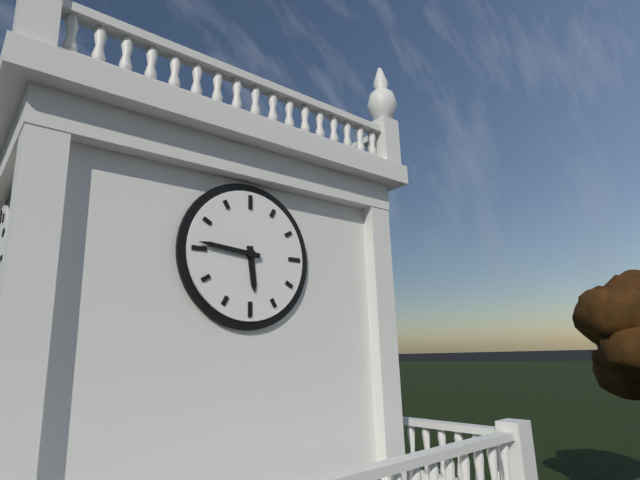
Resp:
**5:46**
